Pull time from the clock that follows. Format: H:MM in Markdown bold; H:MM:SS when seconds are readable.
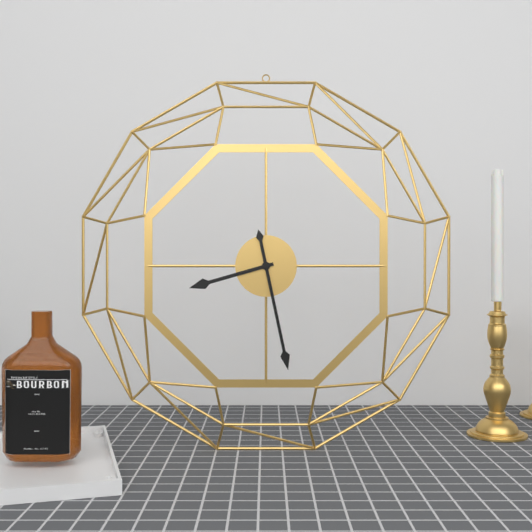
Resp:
**8:28**
